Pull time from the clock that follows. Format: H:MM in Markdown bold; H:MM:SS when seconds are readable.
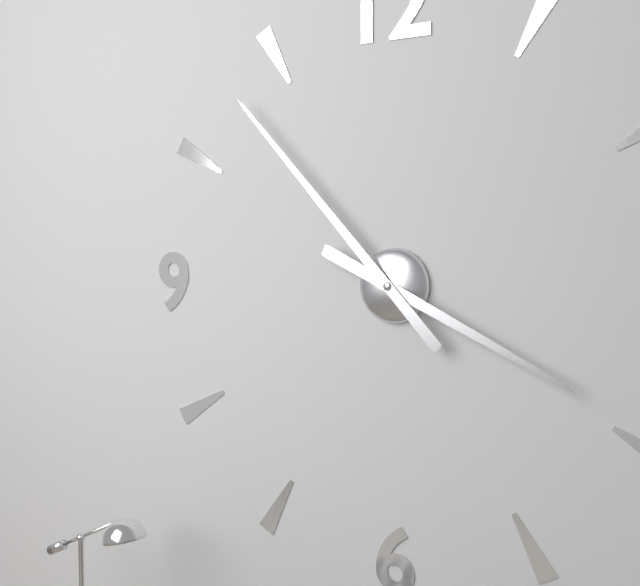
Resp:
**3:53**
